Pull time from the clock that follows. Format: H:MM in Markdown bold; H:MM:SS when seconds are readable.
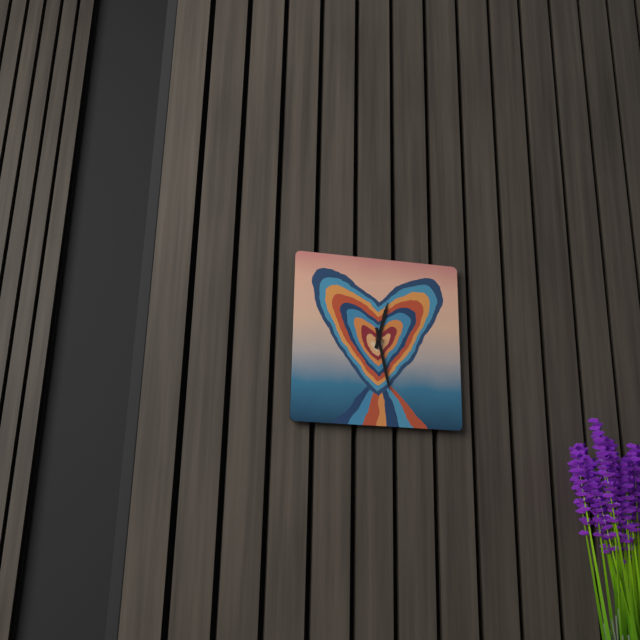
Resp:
**12:28**
